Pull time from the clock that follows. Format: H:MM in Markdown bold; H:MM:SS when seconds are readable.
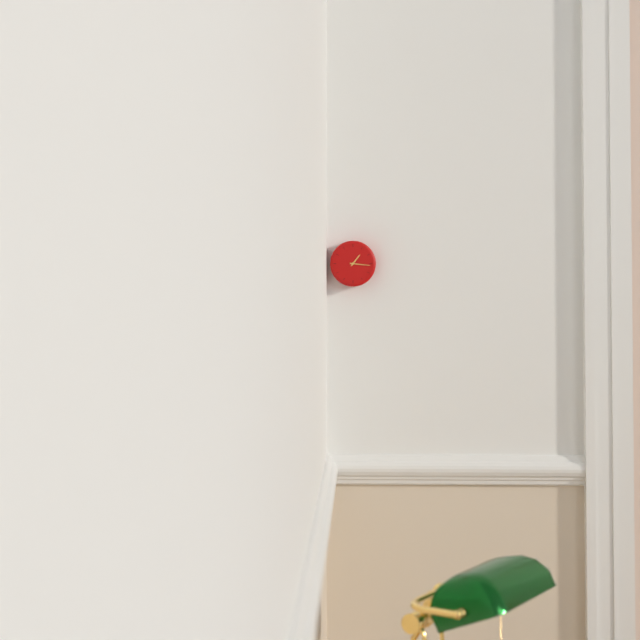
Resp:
**1:16**
